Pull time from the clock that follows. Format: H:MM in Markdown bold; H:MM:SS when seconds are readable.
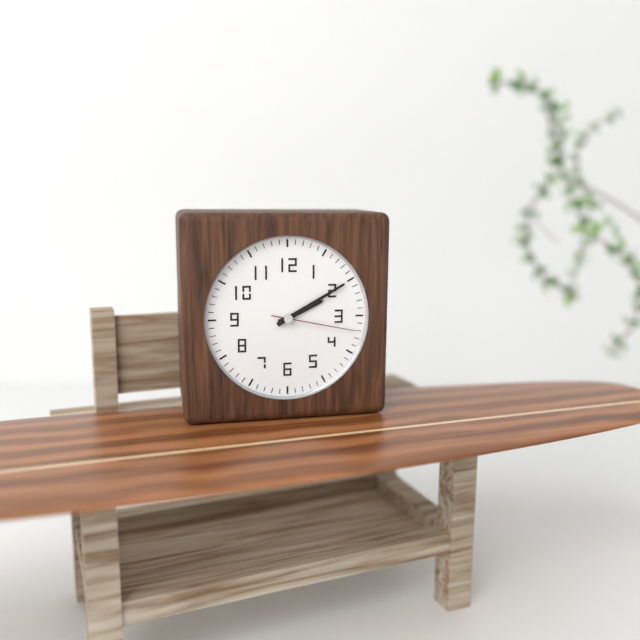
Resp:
**2:10:17**
